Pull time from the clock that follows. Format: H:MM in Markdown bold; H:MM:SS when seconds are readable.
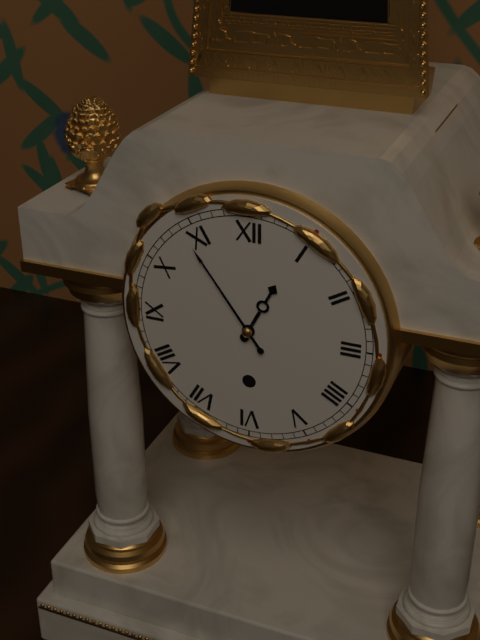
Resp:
**12:54**
